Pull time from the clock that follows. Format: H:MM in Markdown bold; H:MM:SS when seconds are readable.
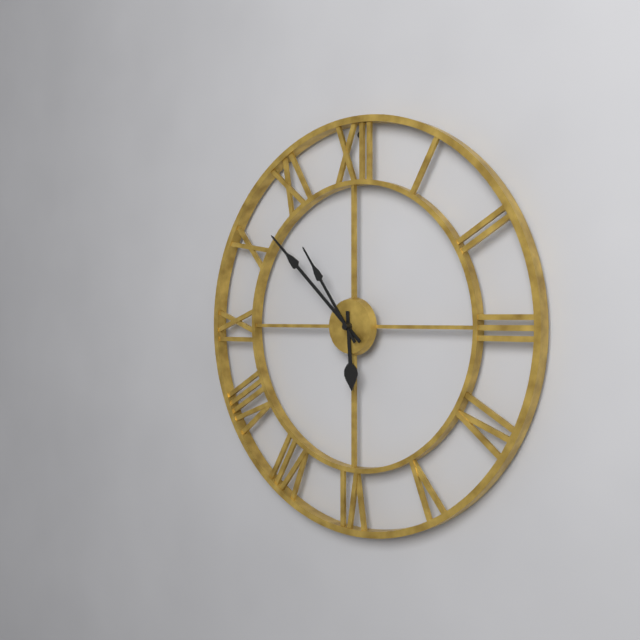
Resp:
**5:52:54**
